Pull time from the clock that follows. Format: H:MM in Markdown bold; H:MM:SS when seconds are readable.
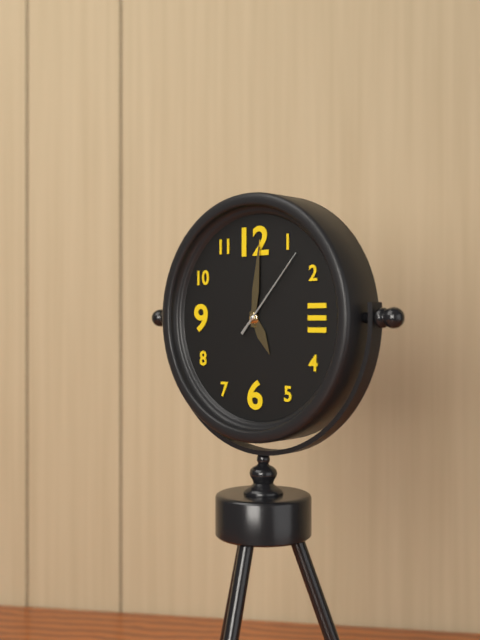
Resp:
**5:01:07**
